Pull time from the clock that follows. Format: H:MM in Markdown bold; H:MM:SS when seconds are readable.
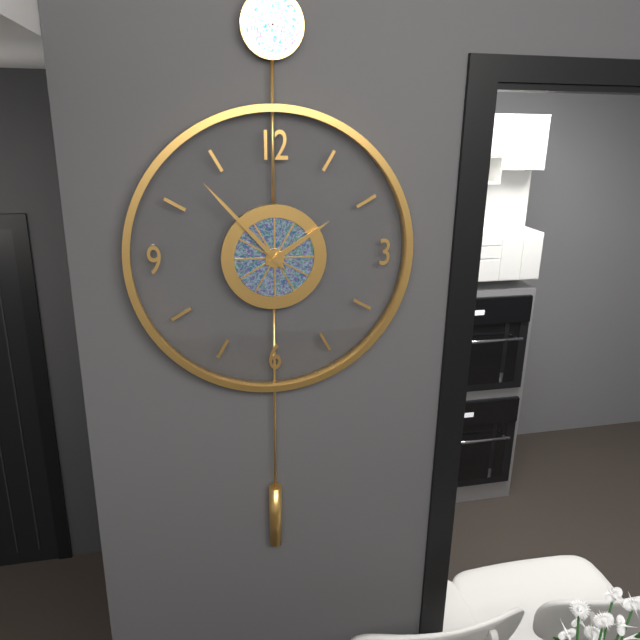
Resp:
**1:53**
